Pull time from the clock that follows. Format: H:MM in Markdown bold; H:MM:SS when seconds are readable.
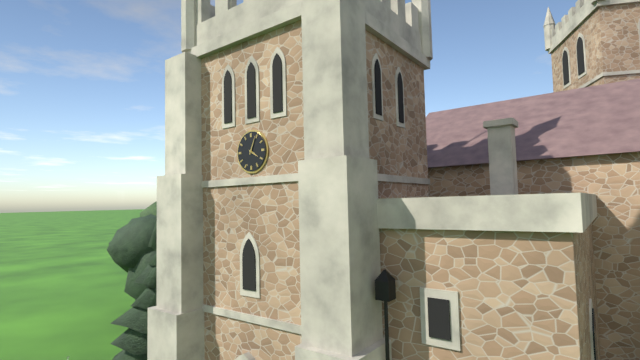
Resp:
**4:04**
